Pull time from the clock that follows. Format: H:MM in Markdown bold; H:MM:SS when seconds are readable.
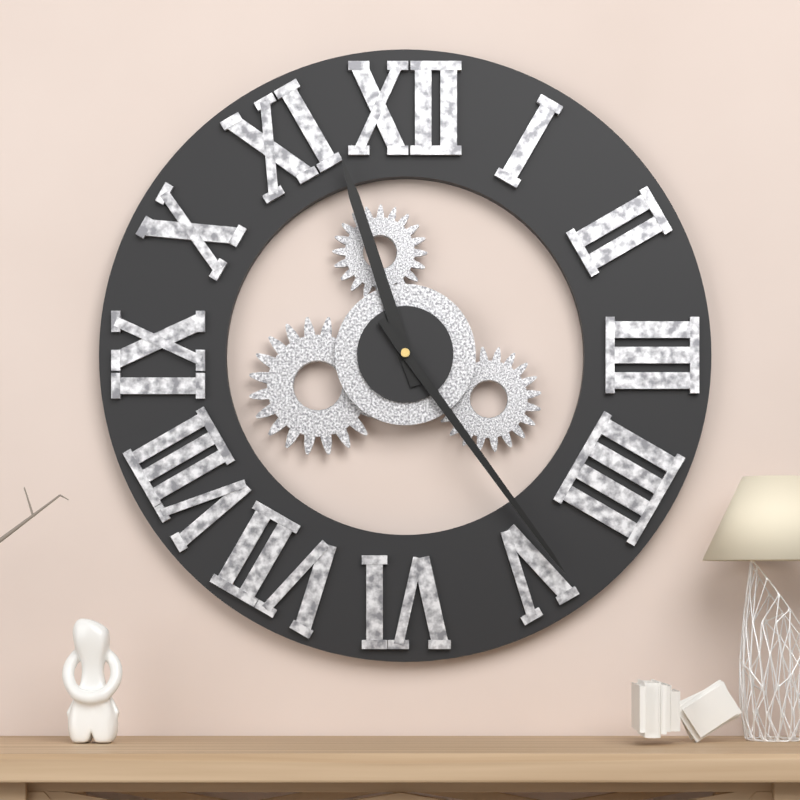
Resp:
**11:24**
